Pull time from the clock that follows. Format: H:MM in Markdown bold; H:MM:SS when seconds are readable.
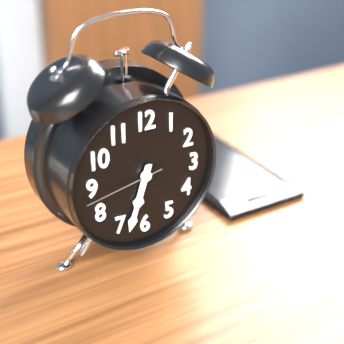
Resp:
**6:33:43**
